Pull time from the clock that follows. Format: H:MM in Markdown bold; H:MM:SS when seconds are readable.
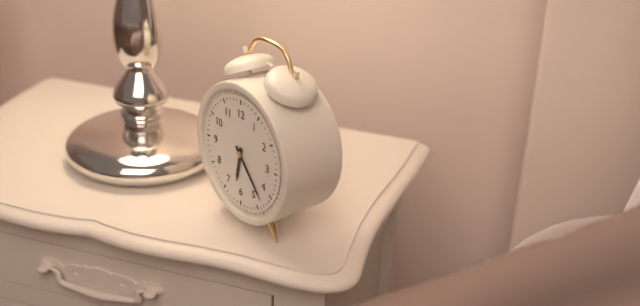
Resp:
**6:23**
